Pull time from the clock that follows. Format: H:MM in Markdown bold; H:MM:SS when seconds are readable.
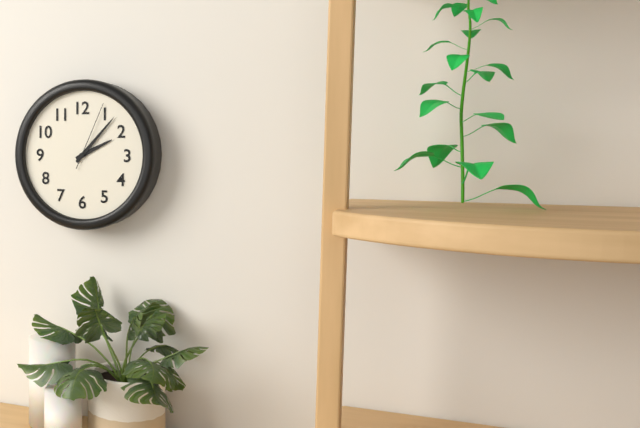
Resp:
**2:07:04**
